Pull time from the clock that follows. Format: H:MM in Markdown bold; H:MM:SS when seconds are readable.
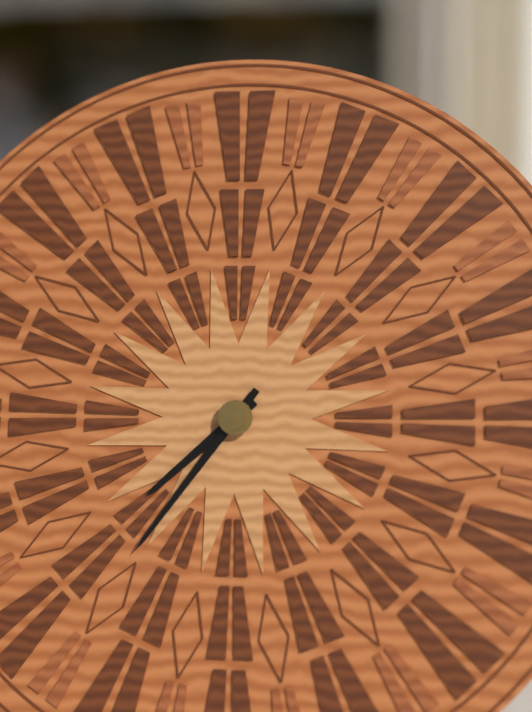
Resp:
**7:36**
